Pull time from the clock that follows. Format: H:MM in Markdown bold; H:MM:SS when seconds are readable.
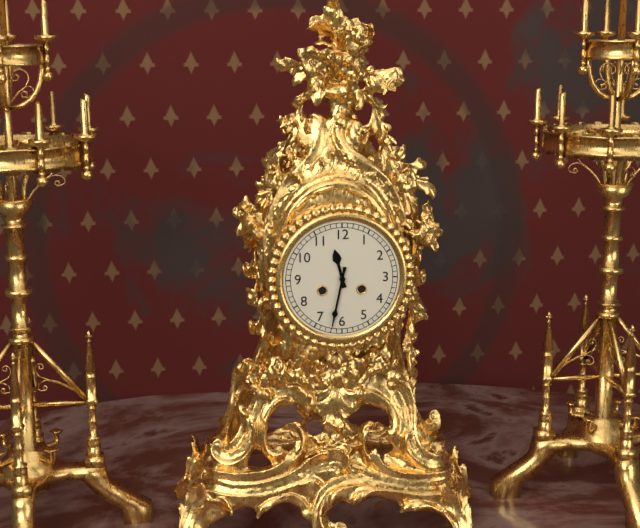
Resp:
**11:32**
